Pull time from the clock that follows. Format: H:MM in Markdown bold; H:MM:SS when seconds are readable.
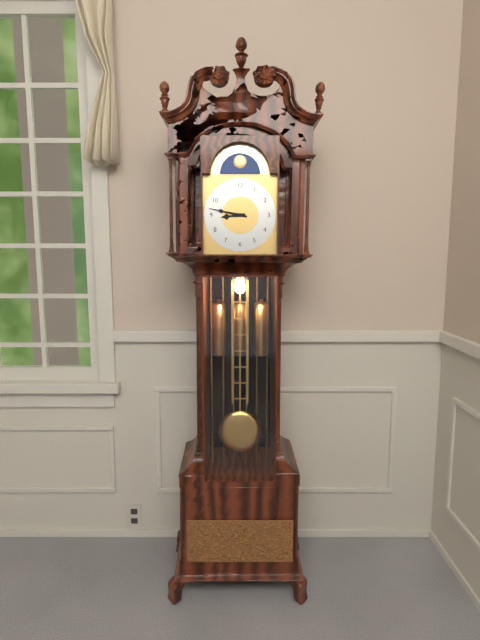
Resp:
**8:47**
